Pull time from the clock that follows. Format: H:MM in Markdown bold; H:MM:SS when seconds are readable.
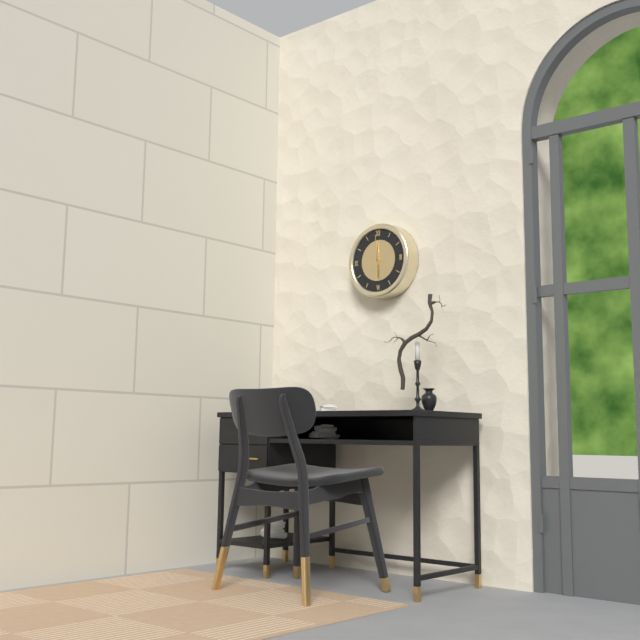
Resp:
**5:59**
